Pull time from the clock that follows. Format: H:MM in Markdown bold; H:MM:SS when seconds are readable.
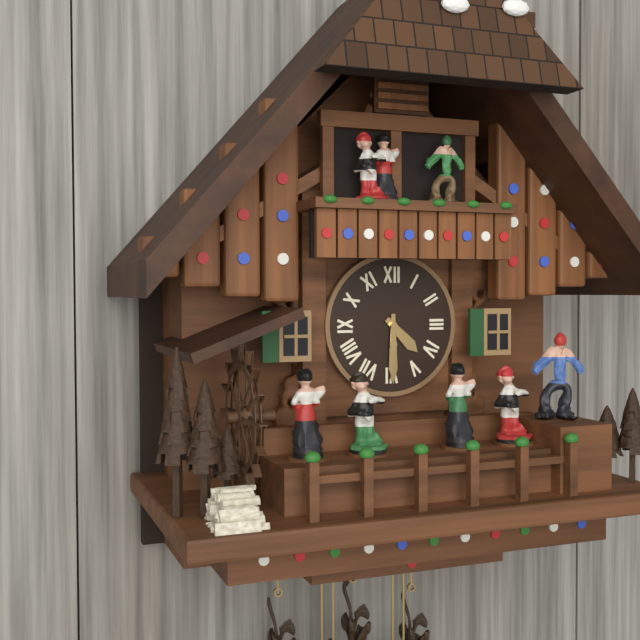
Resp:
**4:30**
